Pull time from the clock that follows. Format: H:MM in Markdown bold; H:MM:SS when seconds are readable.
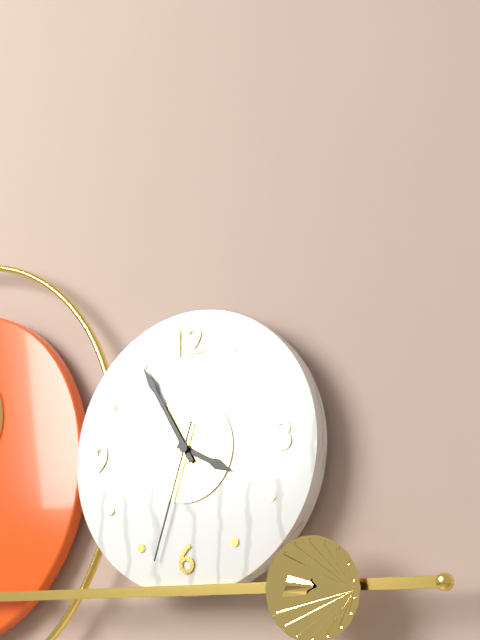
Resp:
**3:55:33**
